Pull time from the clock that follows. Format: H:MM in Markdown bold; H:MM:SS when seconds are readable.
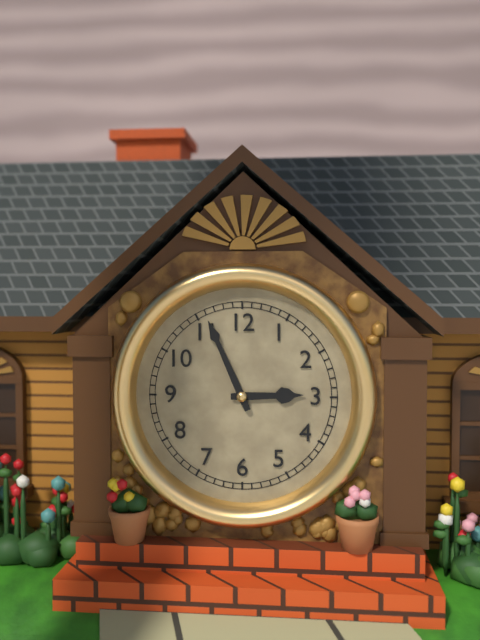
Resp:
**2:56**
